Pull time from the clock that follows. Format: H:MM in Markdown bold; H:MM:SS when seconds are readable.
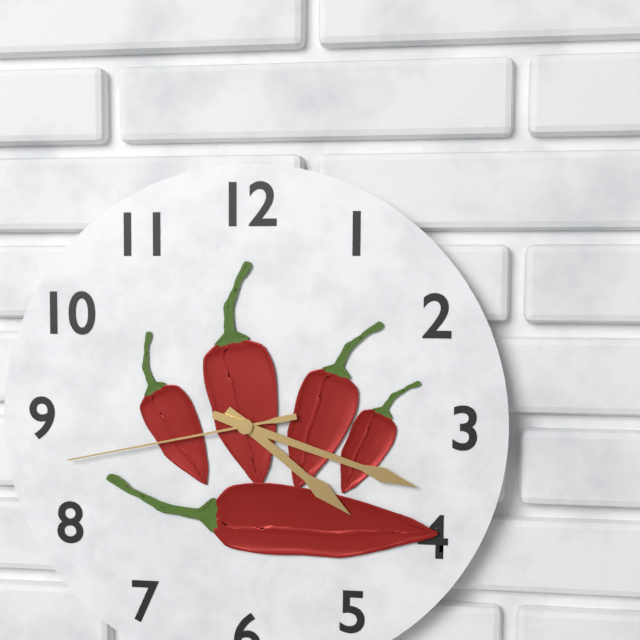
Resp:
**4:18:43**
